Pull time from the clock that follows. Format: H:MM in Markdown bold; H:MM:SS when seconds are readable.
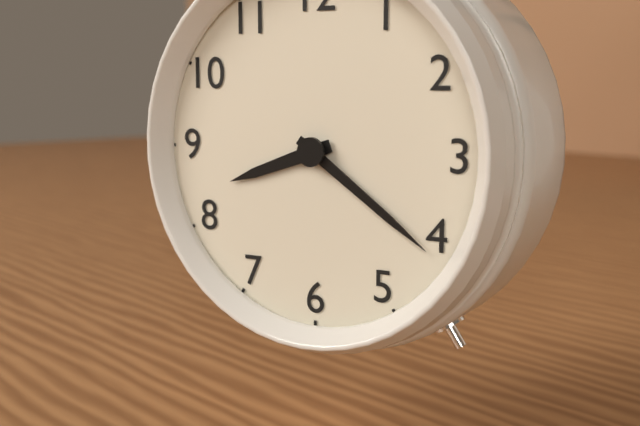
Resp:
**8:21**
